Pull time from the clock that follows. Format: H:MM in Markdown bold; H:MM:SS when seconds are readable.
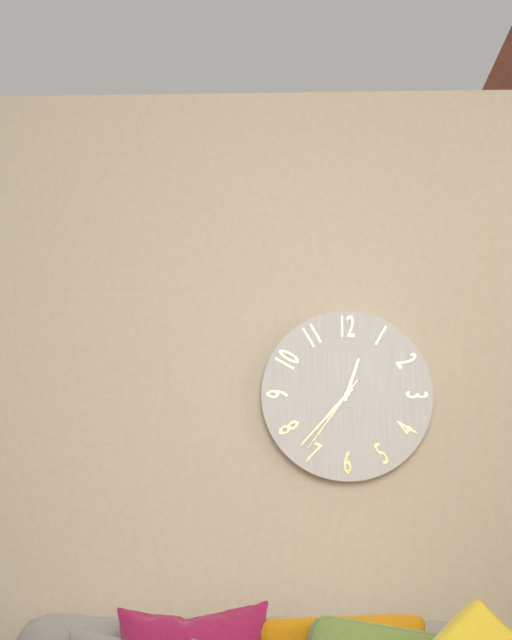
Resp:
**12:37:36**
